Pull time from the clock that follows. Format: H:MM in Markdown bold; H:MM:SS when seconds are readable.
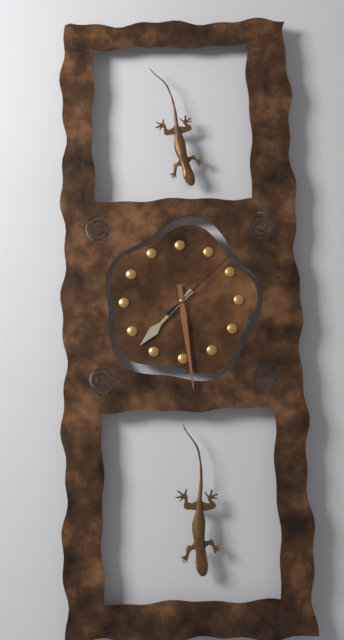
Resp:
**7:29:08**
